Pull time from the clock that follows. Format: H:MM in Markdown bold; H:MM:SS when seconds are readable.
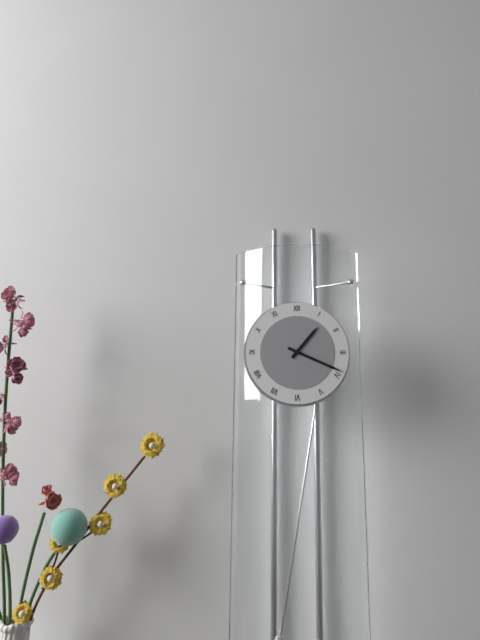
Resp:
**1:19**
